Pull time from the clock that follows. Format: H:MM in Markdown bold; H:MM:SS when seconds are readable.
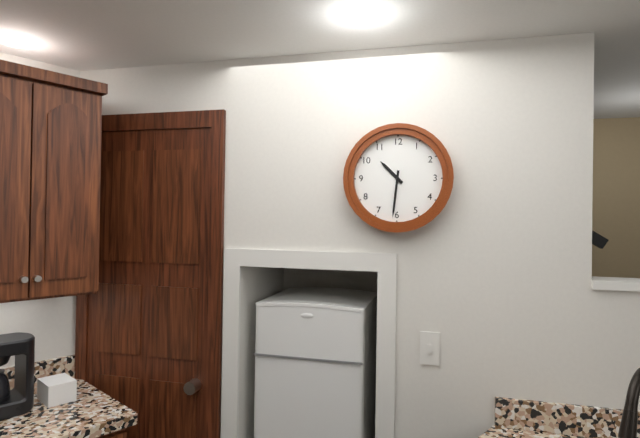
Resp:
**10:31**
